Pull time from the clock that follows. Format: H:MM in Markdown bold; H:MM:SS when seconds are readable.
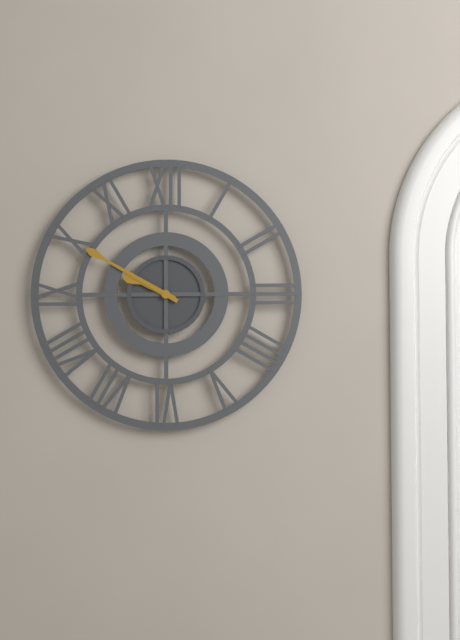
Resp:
**9:50**
